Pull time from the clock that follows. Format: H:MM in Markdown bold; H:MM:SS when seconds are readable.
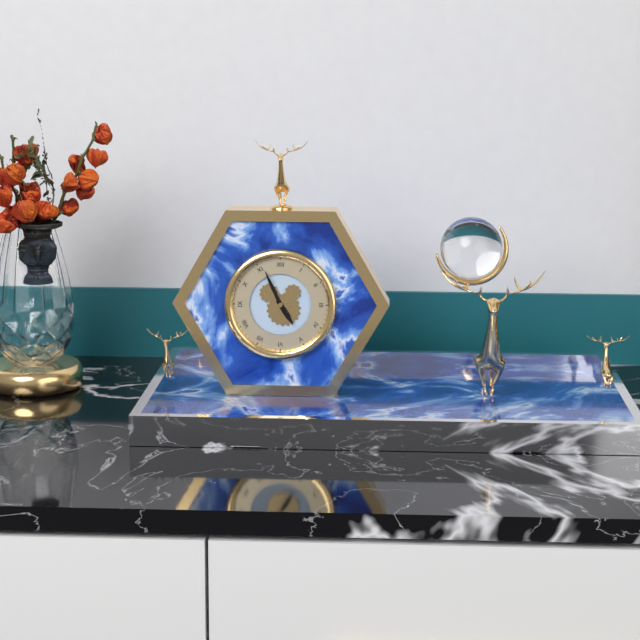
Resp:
**4:56**
